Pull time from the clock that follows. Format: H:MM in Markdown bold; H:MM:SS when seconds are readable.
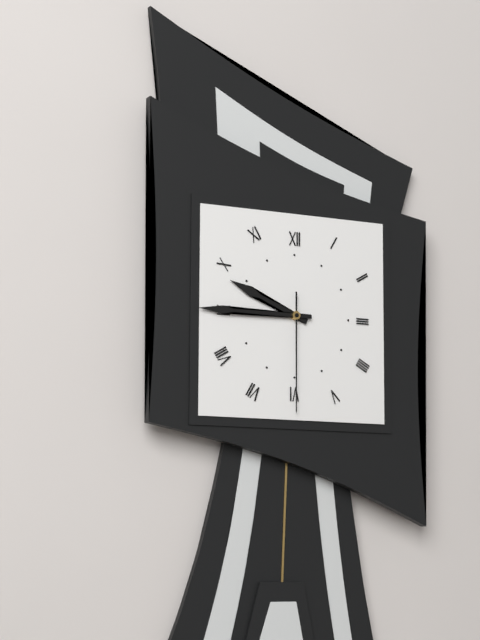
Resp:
**9:45:30**
